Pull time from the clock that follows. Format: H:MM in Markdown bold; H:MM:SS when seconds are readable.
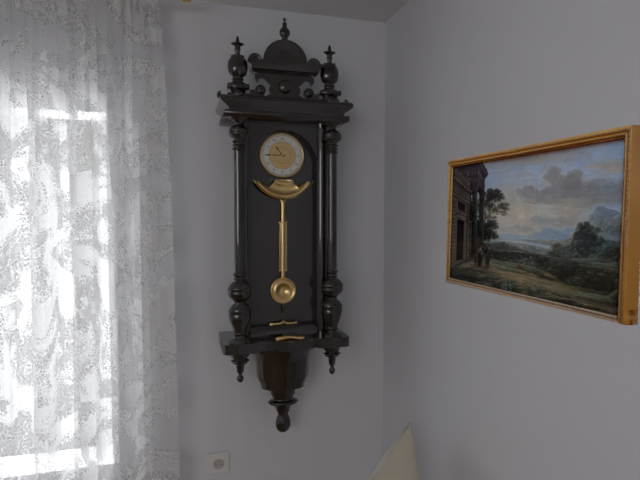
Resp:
**10:45**
